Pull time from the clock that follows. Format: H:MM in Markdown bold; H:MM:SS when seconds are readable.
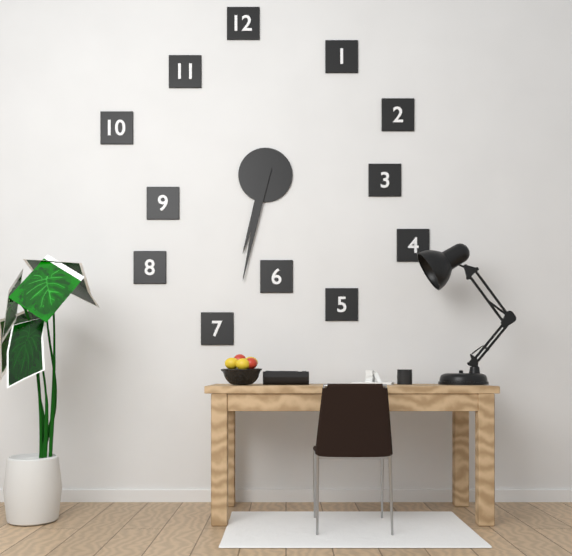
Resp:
**6:32**
